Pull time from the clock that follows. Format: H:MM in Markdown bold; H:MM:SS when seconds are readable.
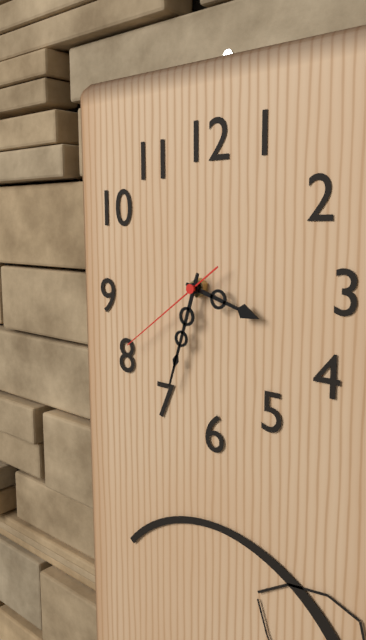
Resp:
**3:33:39**
